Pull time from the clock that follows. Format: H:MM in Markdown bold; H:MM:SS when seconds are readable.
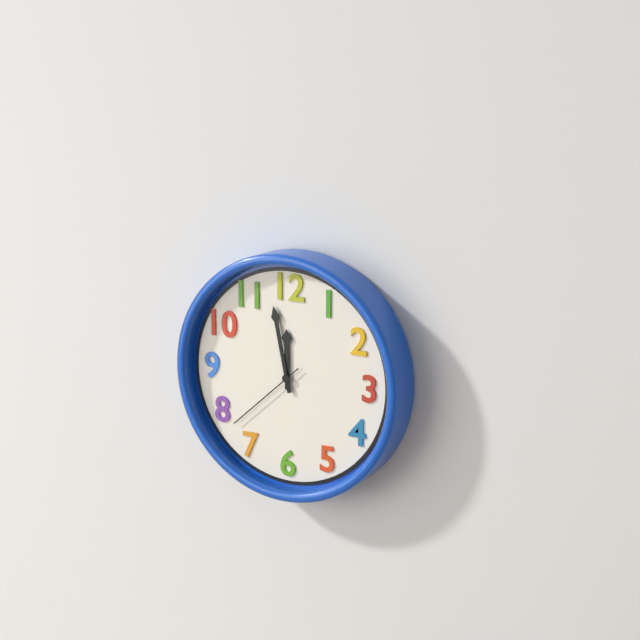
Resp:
**11:58:38**
